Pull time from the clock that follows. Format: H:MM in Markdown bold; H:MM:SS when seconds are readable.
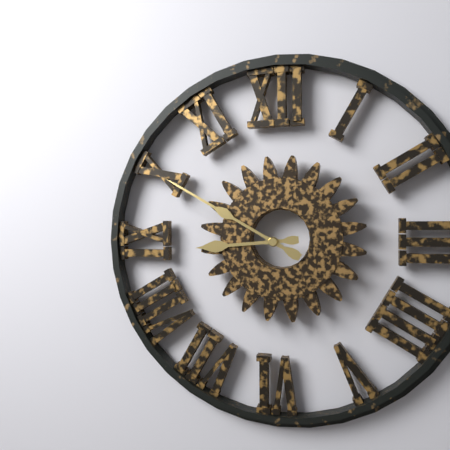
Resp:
**8:50**
